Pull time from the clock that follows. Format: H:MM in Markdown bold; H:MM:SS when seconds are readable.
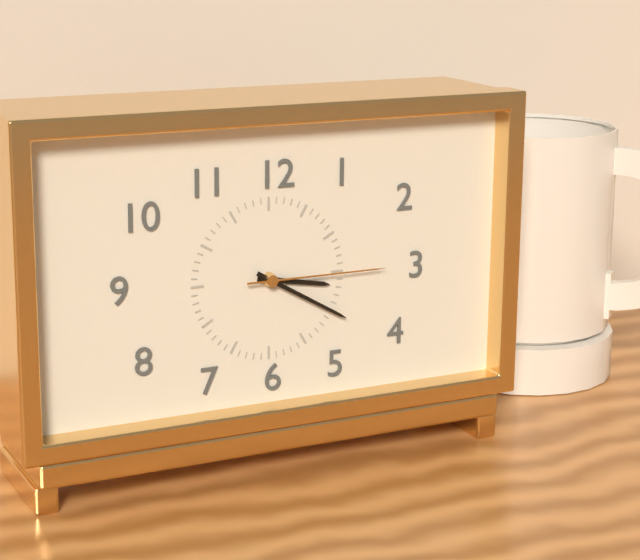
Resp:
**3:20:15**
